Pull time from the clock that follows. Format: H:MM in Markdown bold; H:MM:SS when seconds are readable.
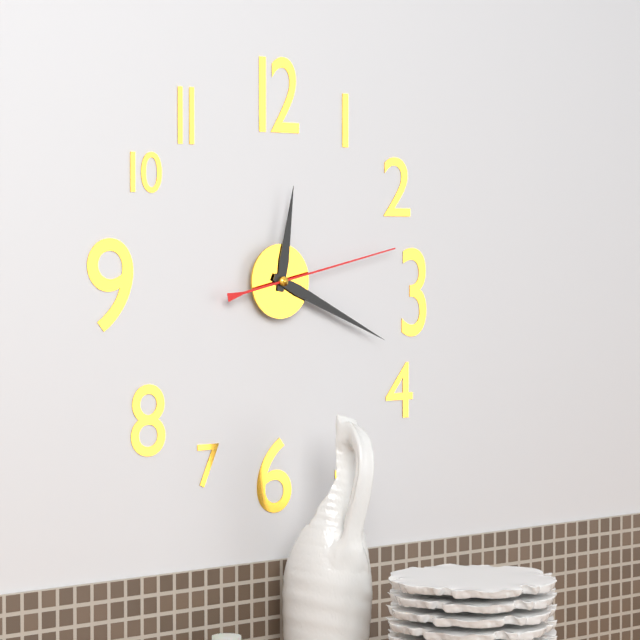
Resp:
**12:19:13**
